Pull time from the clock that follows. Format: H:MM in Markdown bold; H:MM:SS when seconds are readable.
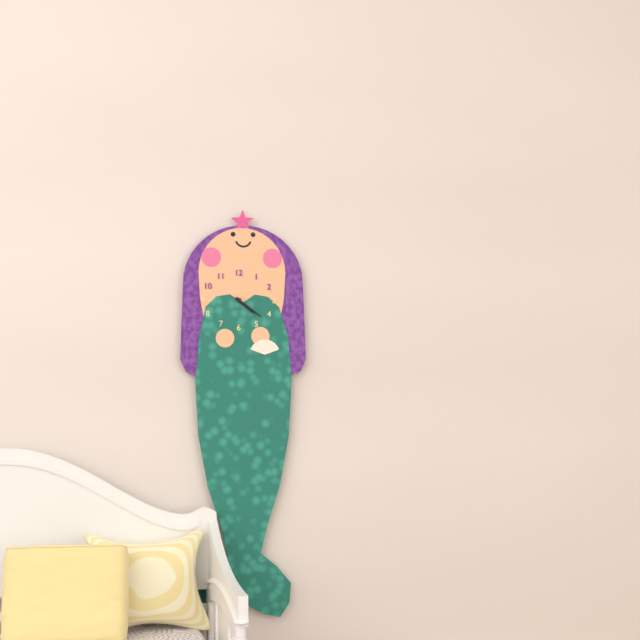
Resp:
**4:21**
